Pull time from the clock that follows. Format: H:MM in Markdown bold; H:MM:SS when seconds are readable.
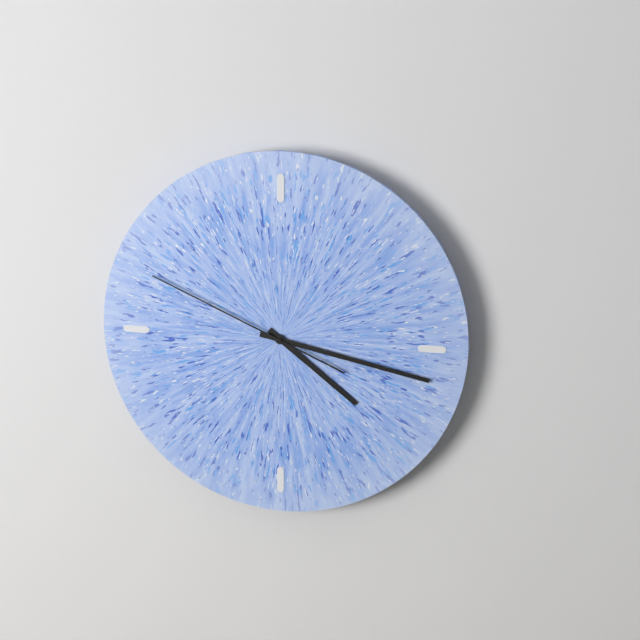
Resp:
**4:17:49**
